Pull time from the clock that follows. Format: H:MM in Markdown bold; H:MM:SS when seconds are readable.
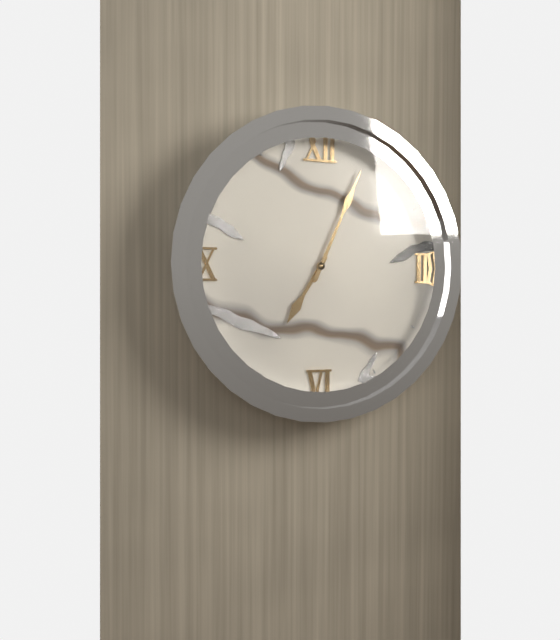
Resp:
**7:04**
